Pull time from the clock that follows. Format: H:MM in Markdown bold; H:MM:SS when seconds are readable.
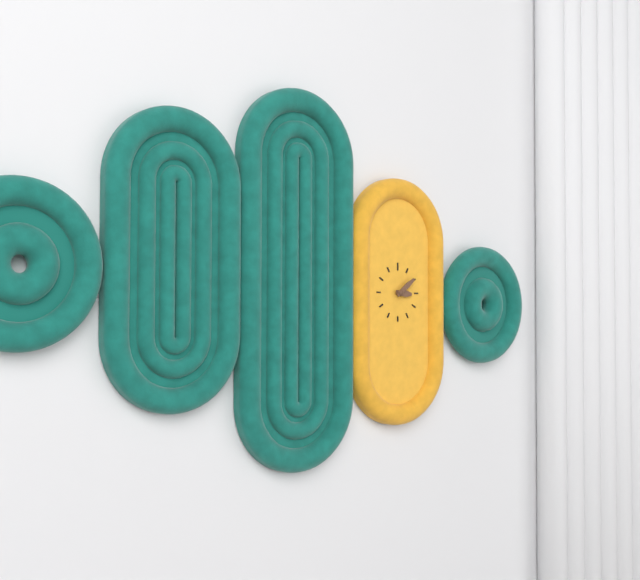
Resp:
**3:09**
